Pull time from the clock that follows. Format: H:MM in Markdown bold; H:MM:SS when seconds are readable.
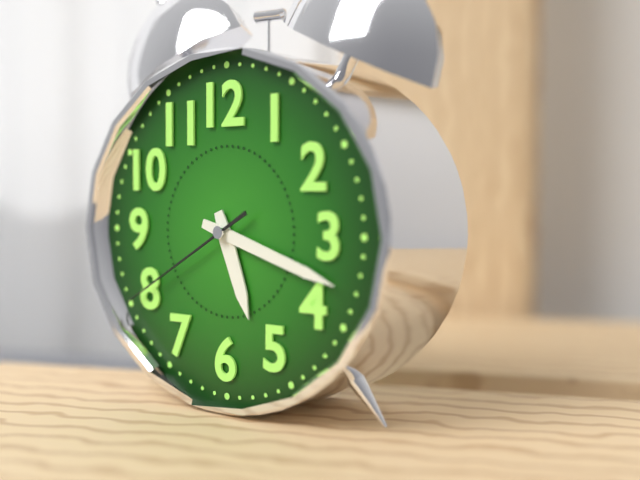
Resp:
**5:18:40**
